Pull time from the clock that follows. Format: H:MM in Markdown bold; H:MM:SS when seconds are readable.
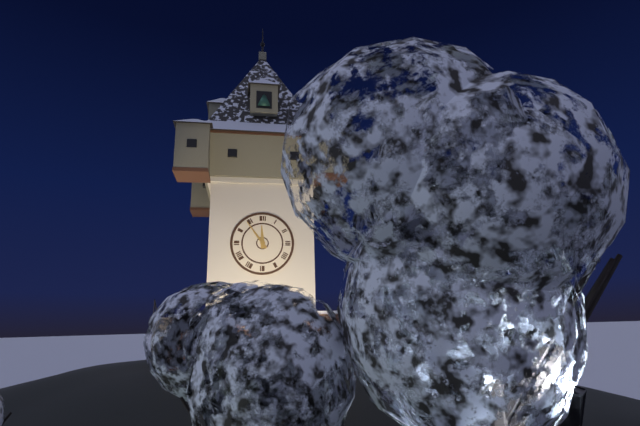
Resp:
**11:54**
